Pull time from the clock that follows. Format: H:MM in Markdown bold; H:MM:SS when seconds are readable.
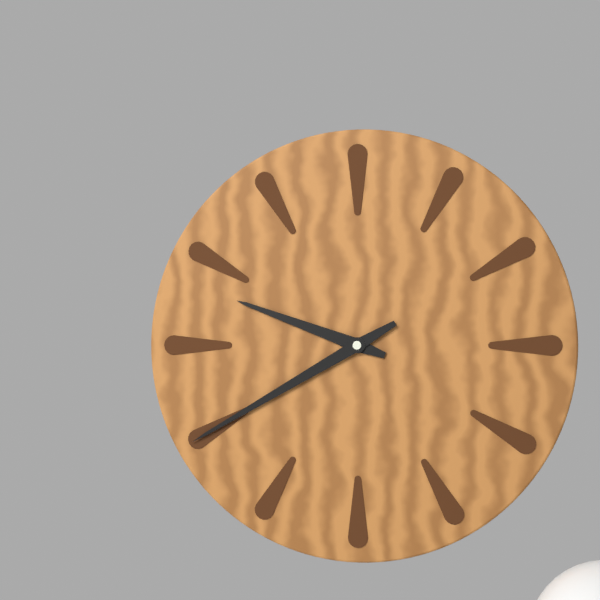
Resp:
**9:40**
